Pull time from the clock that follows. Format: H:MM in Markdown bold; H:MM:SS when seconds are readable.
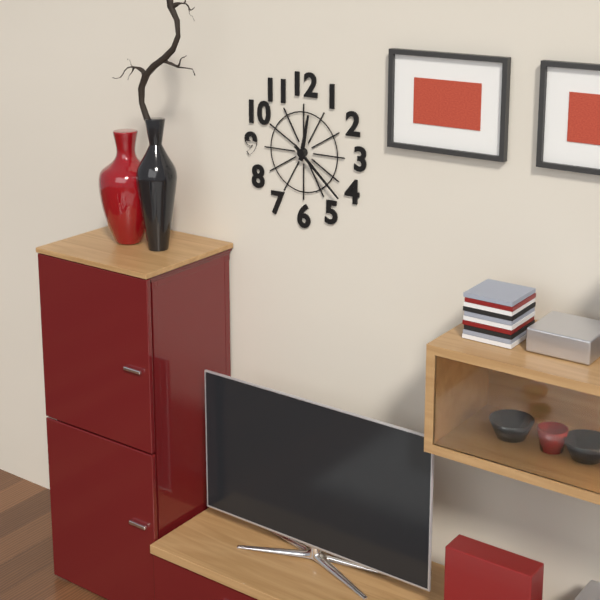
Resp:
**12:22**
